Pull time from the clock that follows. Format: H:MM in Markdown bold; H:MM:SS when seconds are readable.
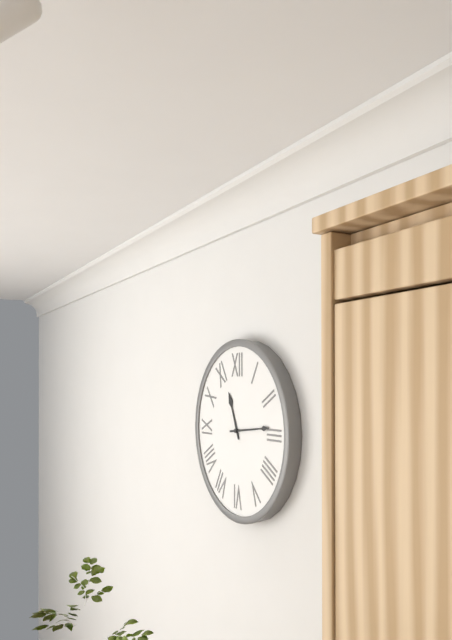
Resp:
**11:14**
